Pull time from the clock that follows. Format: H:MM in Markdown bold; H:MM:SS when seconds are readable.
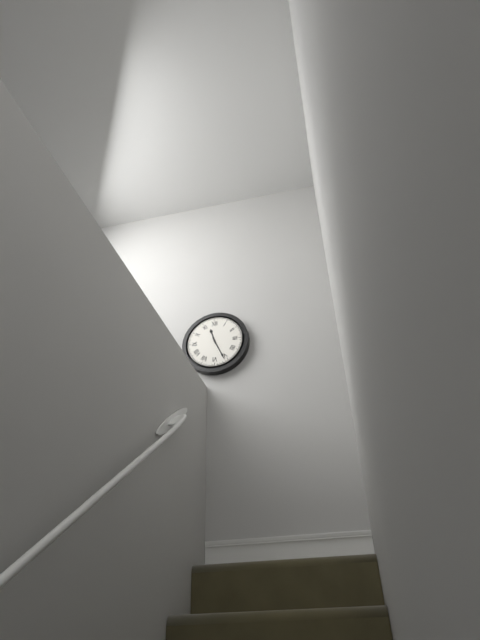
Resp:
**11:26**
